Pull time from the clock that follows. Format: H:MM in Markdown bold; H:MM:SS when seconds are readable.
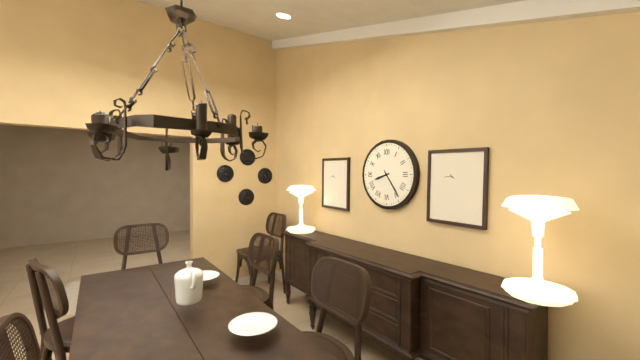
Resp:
**8:24**
